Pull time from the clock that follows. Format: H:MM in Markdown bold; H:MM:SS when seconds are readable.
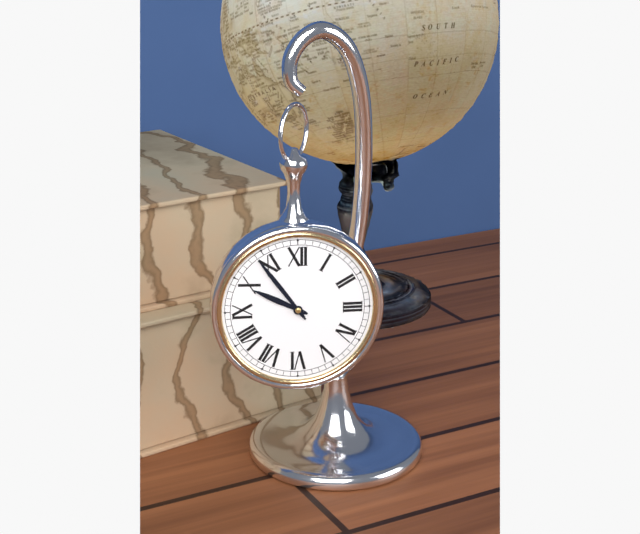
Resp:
**9:54**
